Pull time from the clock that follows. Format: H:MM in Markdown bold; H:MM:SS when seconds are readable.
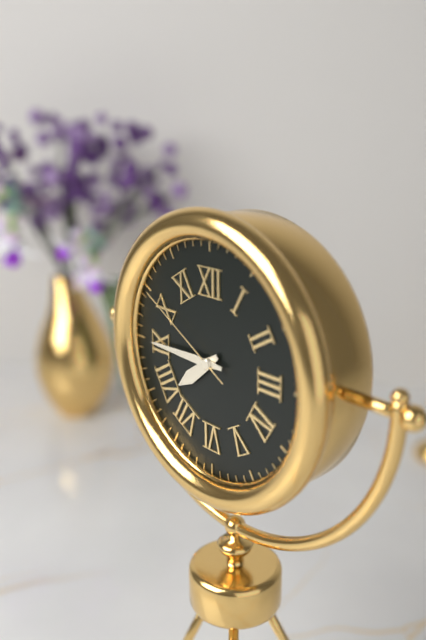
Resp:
**7:45:50**
